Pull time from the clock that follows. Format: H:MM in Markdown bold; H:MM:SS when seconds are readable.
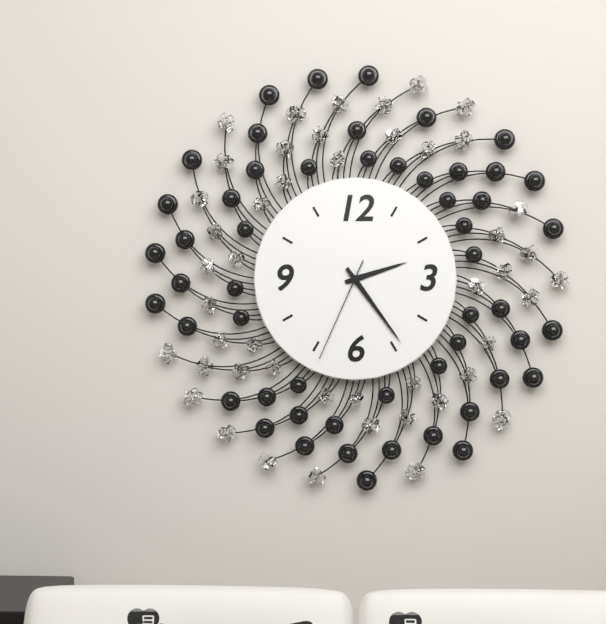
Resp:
**2:24:34**
